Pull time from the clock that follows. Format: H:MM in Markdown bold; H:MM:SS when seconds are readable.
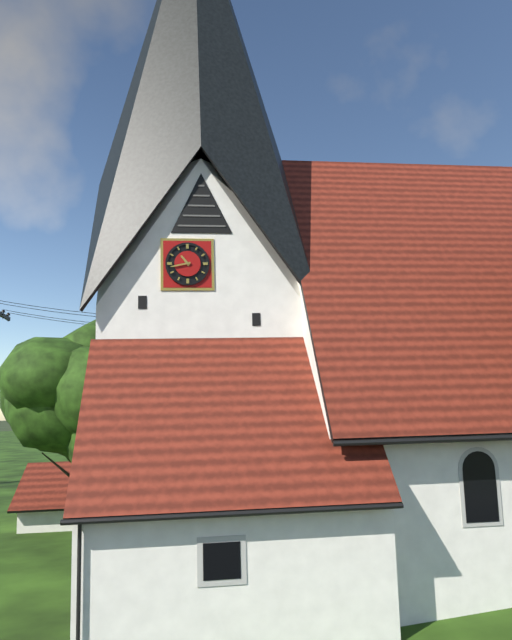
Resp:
**10:43**
